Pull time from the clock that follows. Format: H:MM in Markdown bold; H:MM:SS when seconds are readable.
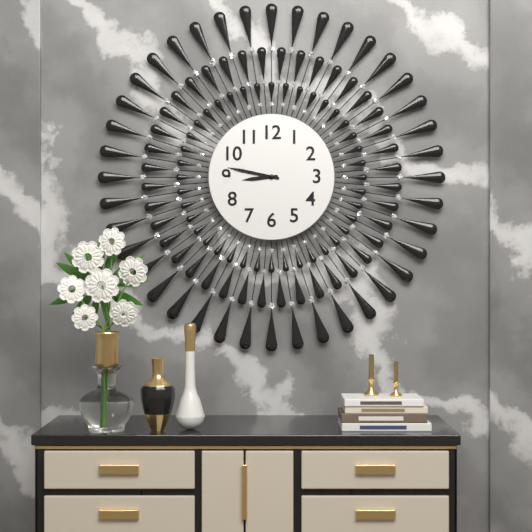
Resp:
**8:47**
